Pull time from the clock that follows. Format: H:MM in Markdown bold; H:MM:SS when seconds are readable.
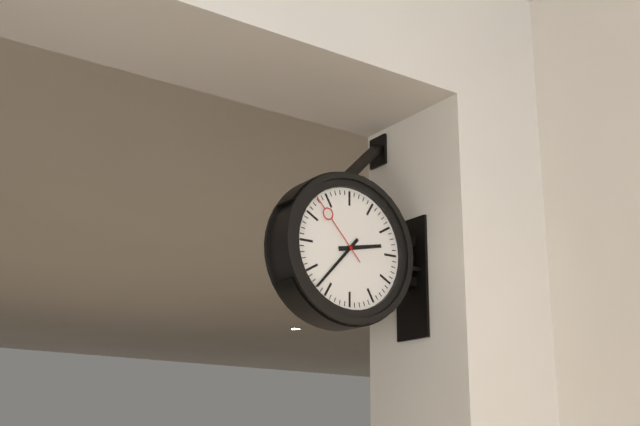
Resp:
**2:37:53**
